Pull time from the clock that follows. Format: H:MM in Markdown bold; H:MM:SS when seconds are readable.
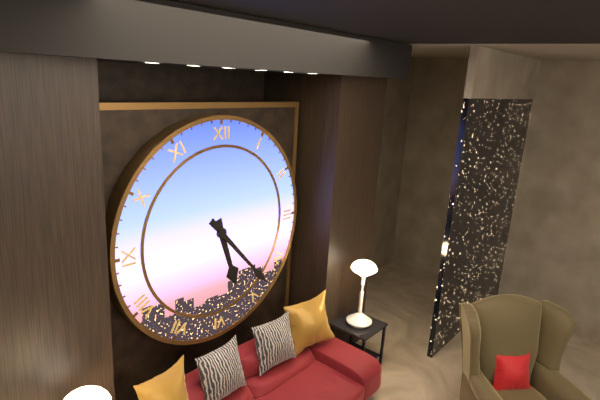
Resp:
**5:23**
